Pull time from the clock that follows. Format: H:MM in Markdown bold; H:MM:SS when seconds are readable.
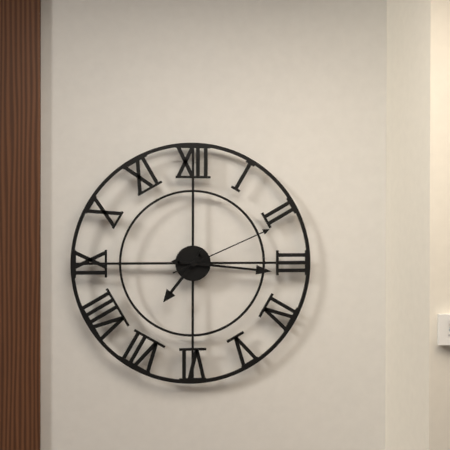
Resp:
**7:16:11**
